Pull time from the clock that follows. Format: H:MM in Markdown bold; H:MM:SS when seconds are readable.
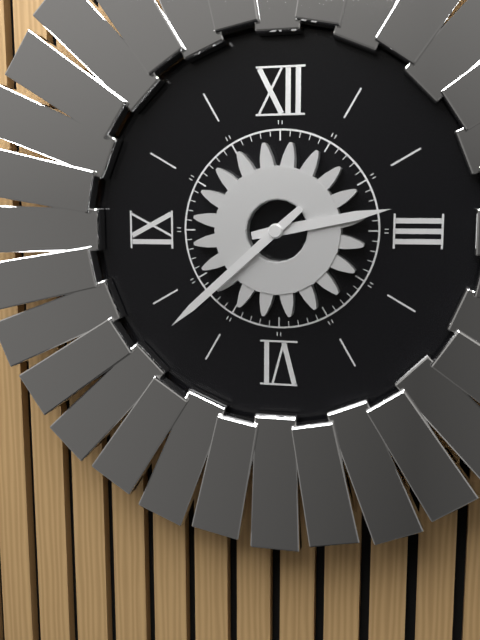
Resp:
**2:38**
